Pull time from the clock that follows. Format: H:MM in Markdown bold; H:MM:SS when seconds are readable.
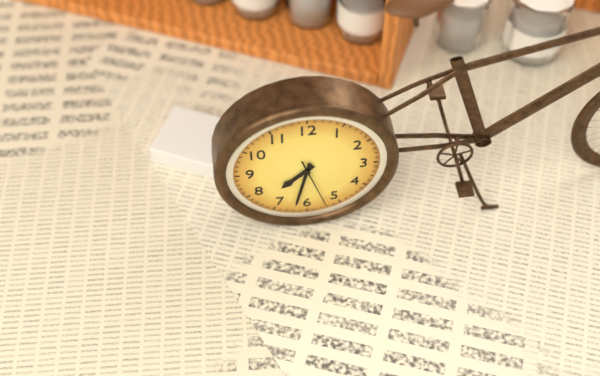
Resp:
**7:32**
